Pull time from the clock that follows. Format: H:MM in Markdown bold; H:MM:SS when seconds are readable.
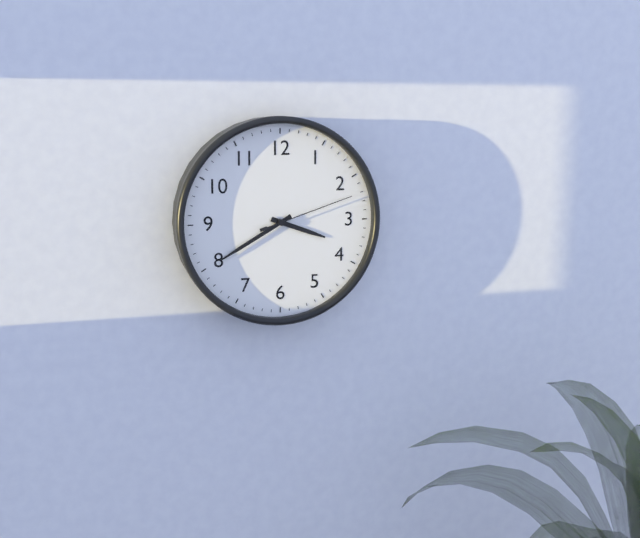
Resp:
**3:40:12**
